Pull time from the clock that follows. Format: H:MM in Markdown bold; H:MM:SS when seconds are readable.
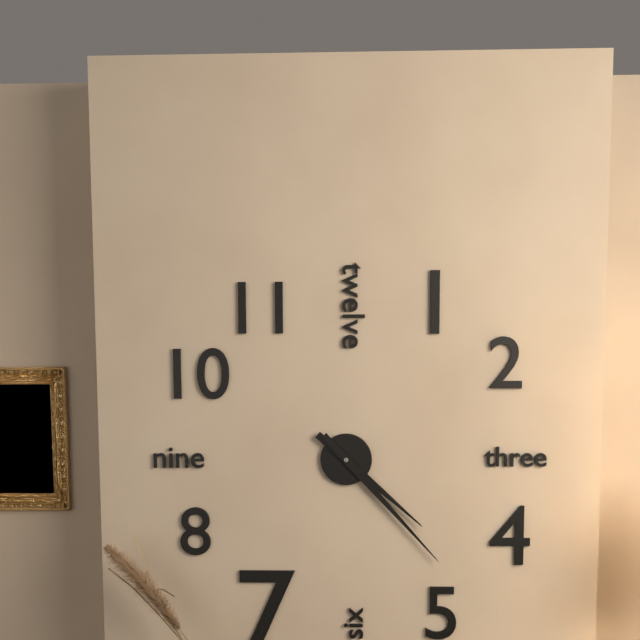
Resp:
**4:23**
